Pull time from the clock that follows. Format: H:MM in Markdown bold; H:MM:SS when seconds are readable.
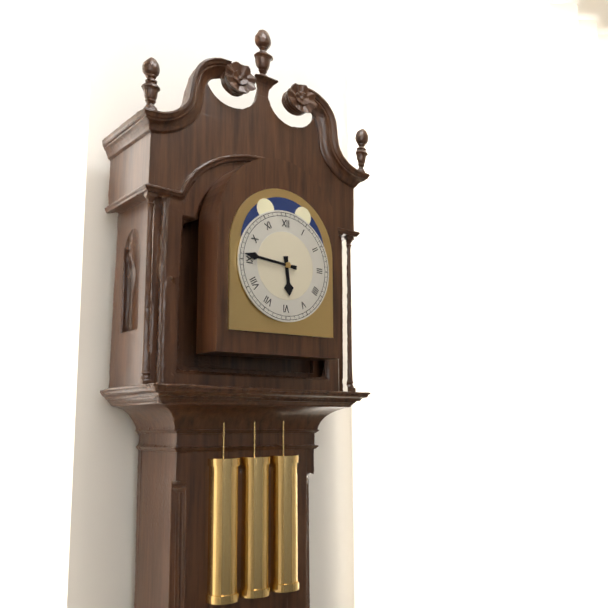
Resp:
**5:46**
